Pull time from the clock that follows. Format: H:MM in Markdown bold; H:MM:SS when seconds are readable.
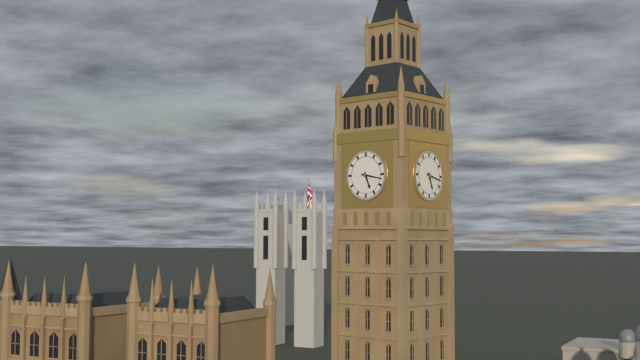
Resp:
**5:17**
